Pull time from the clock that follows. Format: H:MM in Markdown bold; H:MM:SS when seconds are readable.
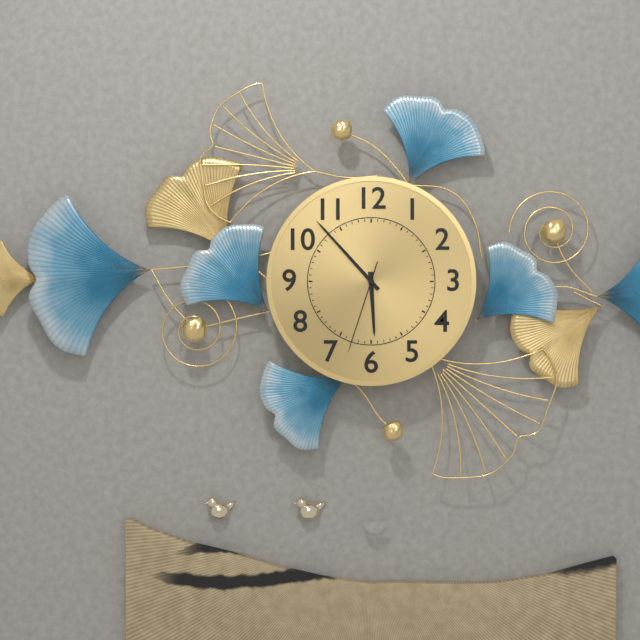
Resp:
**5:53:33**
